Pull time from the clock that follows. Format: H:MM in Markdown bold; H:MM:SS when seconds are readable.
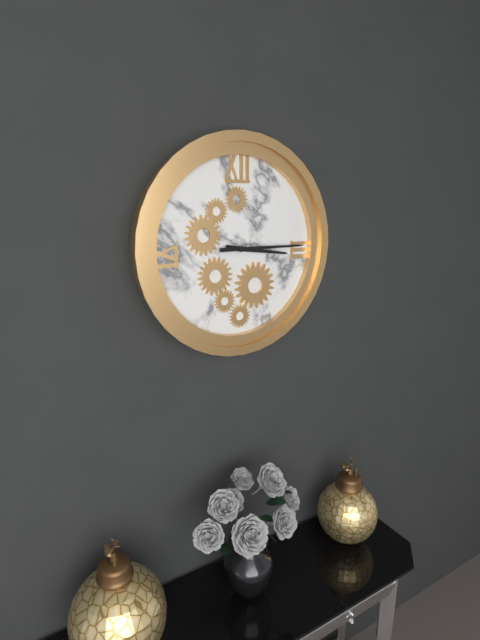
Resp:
**3:15**
